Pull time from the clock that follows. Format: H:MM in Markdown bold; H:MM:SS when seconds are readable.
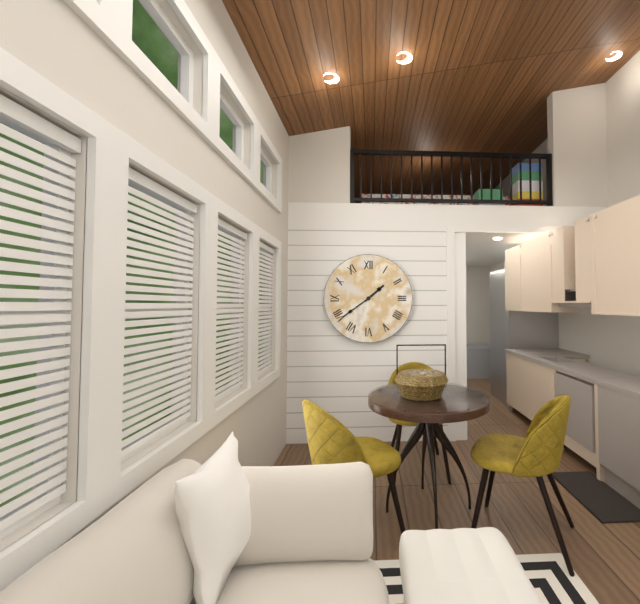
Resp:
**1:39**
